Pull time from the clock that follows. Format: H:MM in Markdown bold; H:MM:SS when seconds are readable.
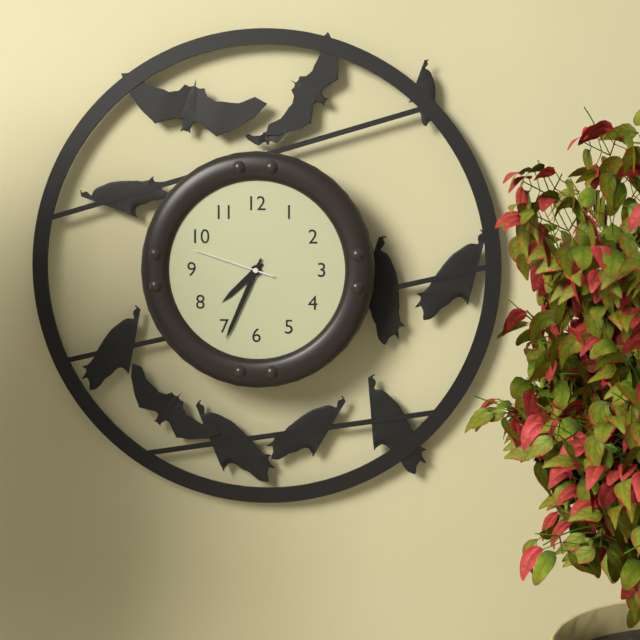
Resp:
**7:34:48**
